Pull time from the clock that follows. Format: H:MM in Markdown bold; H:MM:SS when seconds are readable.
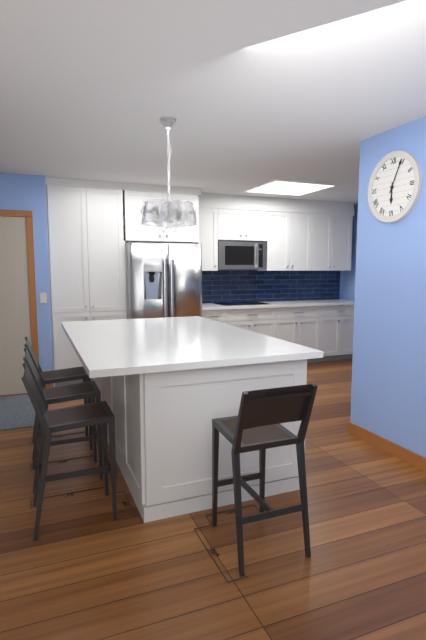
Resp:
**6:04**
